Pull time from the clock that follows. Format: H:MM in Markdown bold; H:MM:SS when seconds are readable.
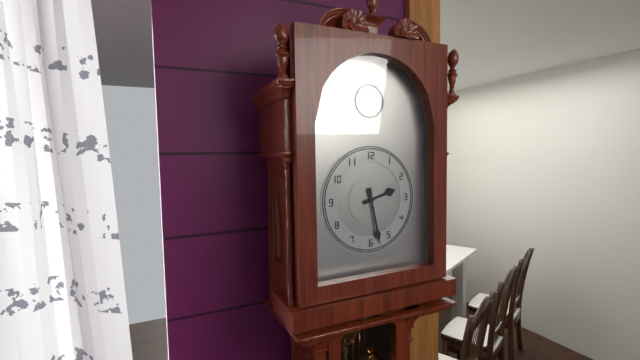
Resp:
**2:28**
